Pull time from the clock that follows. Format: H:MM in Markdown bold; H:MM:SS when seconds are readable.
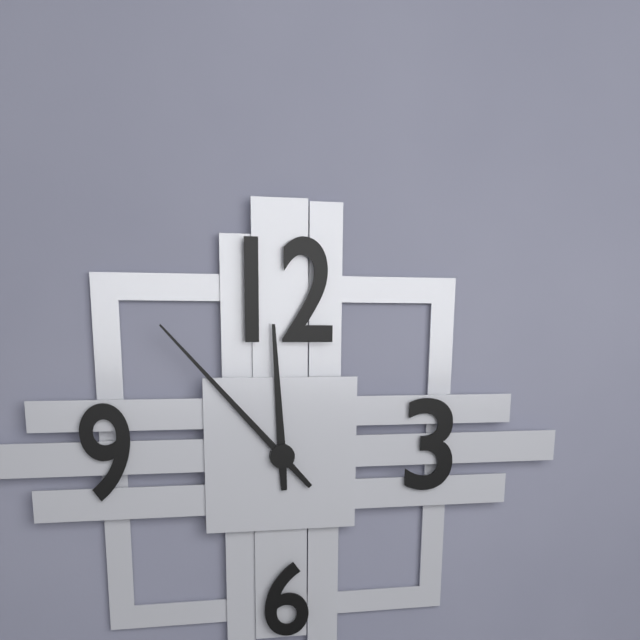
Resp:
**11:53**
